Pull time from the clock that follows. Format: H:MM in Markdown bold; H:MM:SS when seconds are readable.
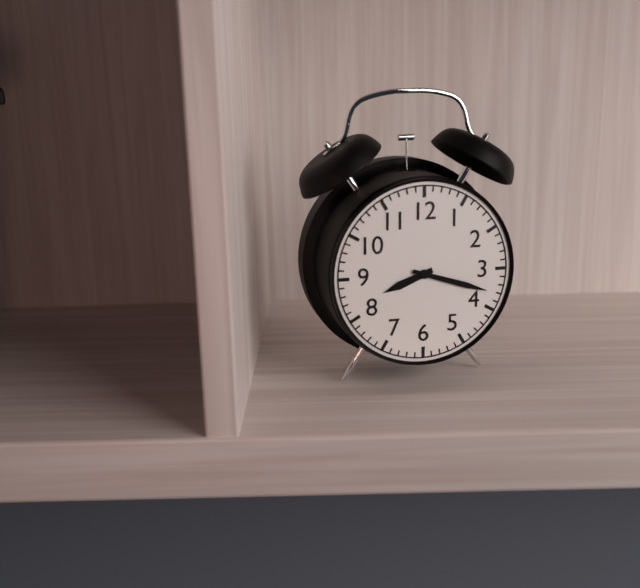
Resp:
**8:18**
